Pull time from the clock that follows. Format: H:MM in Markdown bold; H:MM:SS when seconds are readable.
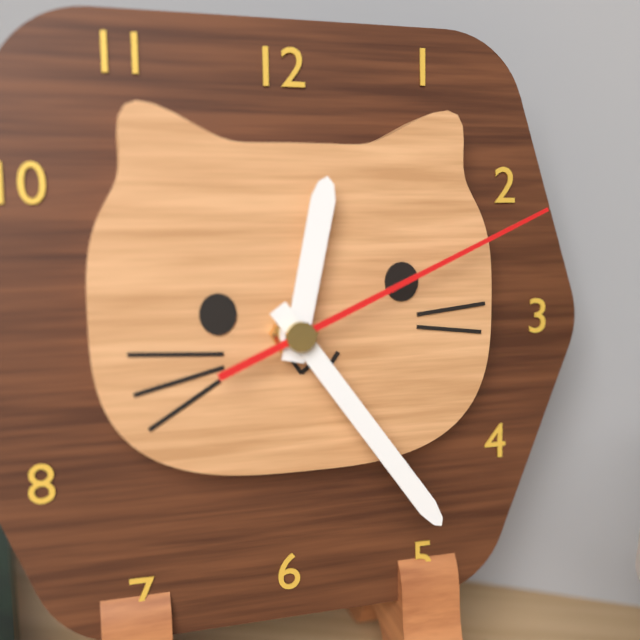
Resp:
**12:24:11**
